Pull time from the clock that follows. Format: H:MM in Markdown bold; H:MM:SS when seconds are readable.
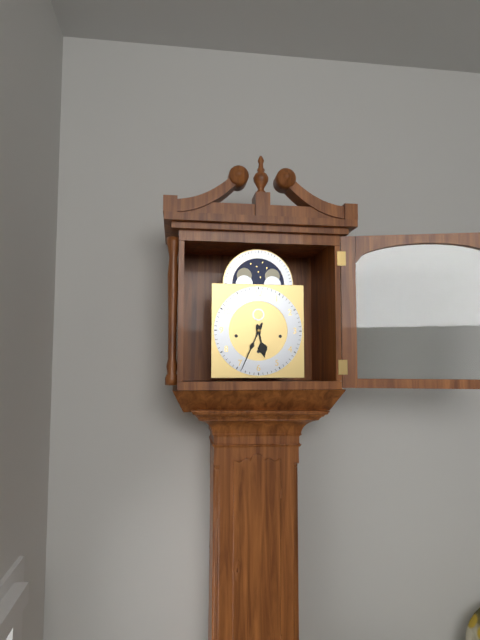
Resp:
**5:34**
